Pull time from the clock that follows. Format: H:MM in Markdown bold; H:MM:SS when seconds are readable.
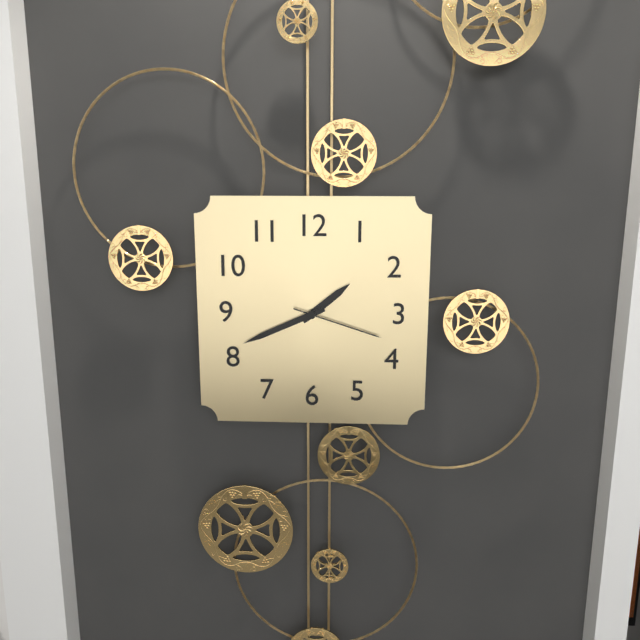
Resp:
**1:41:18**
